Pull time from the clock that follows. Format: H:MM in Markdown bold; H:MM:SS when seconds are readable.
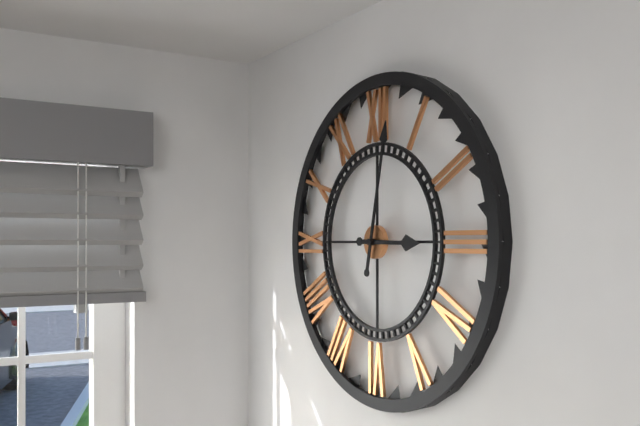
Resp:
**3:02**
